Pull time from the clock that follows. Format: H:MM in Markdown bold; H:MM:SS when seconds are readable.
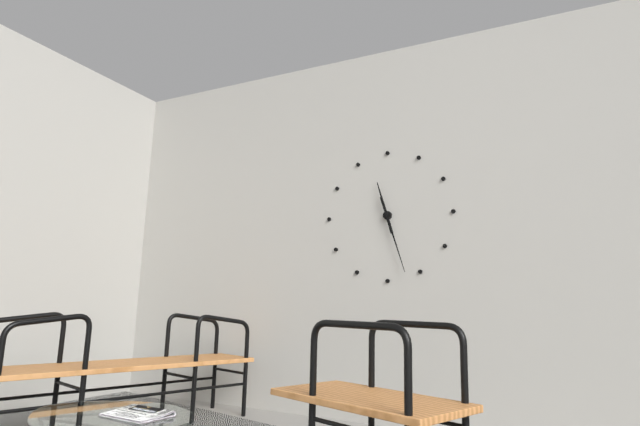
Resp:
**11:27**
